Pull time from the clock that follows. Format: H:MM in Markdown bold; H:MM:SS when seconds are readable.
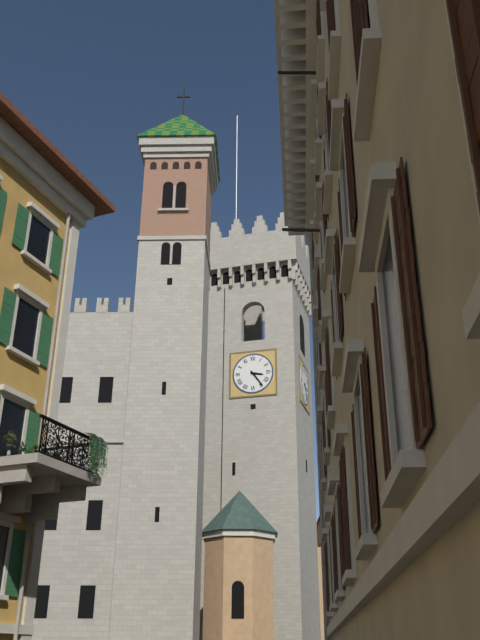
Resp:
**3:24**
